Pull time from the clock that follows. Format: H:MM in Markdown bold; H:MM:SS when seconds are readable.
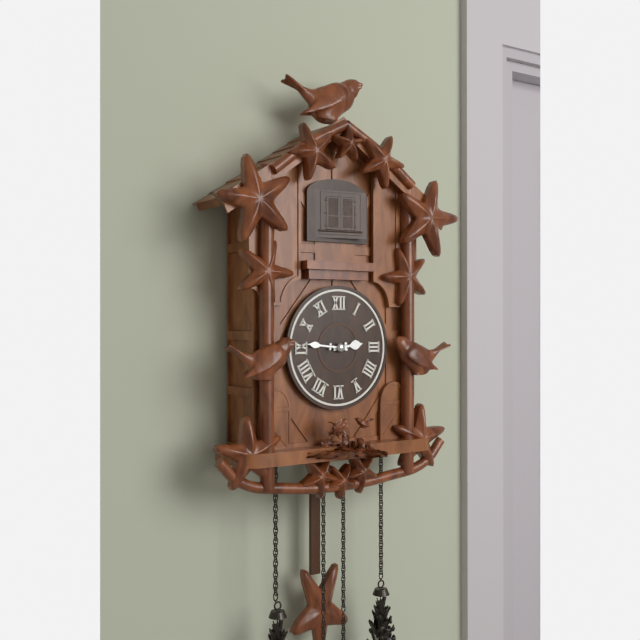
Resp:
**2:46**
